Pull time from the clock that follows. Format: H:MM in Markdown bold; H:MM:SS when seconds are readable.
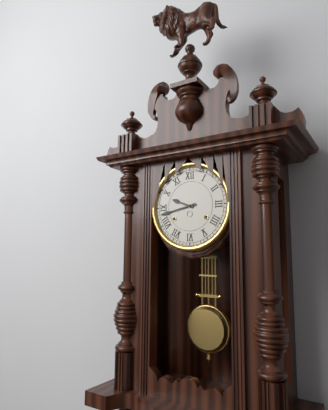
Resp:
**9:43**
